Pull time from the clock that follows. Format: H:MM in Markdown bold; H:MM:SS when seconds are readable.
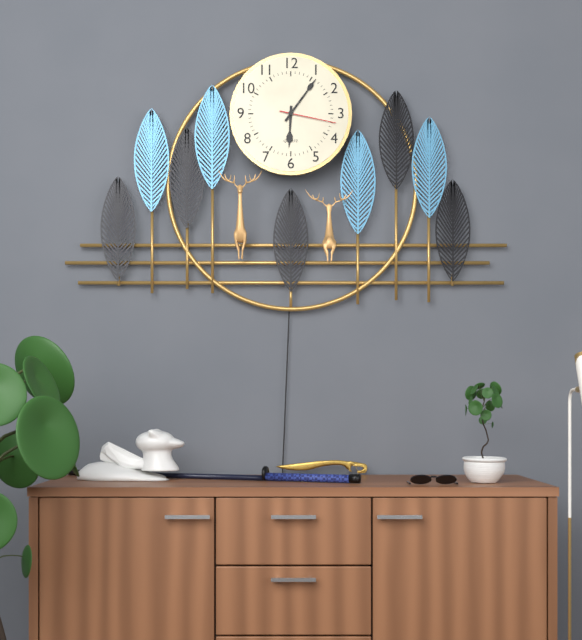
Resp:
**6:06:17**
